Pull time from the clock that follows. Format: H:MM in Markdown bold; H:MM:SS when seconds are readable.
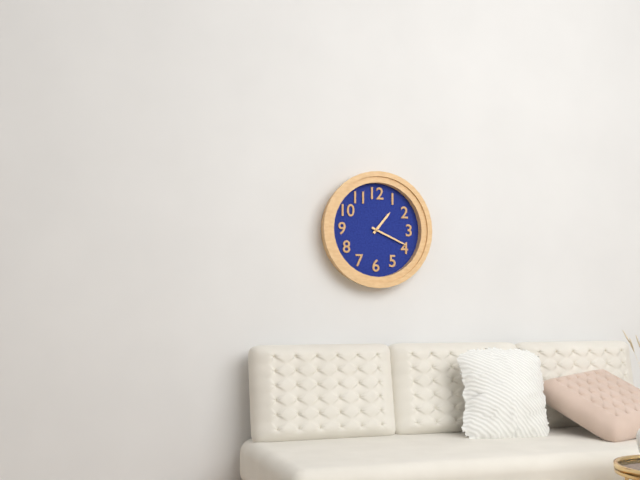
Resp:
**1:19**
